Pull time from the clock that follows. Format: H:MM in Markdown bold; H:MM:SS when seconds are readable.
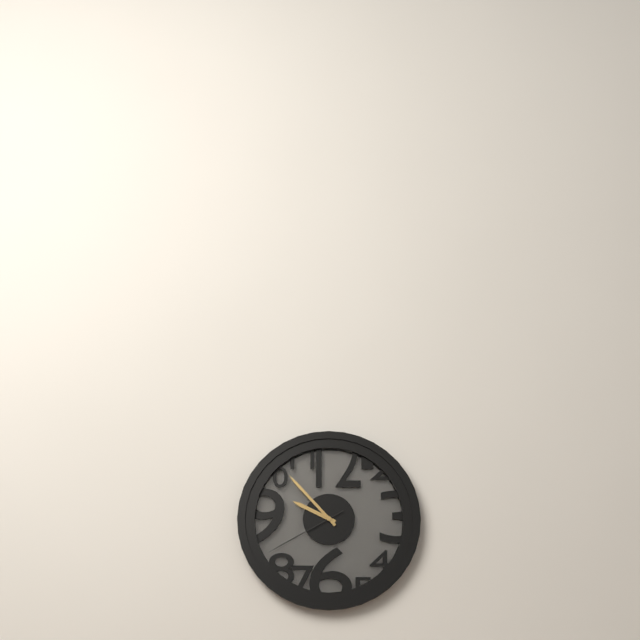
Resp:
**9:53:40**
